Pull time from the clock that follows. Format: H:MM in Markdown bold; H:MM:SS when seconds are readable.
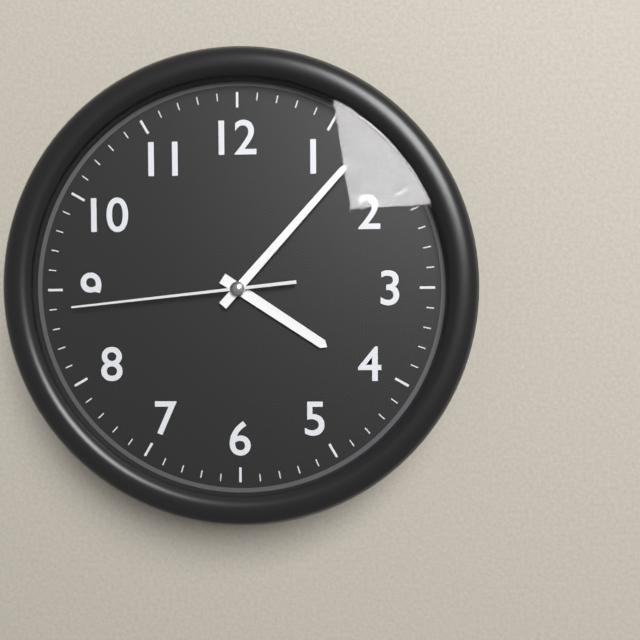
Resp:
**4:07:44**
